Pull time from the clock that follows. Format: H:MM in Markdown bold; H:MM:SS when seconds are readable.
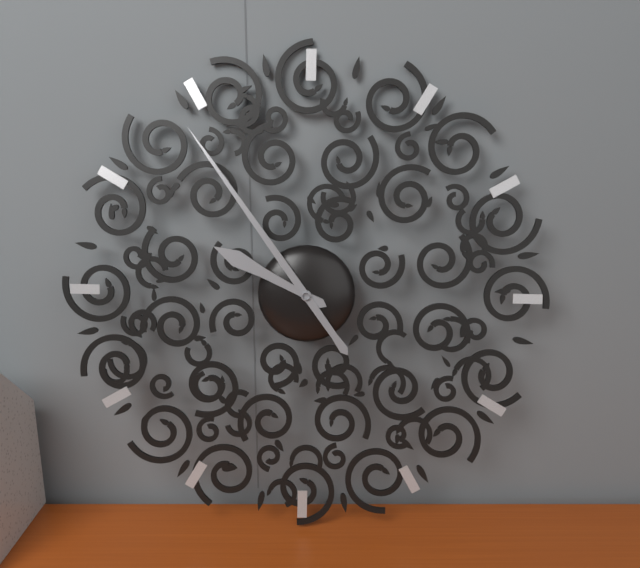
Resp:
**9:54**
